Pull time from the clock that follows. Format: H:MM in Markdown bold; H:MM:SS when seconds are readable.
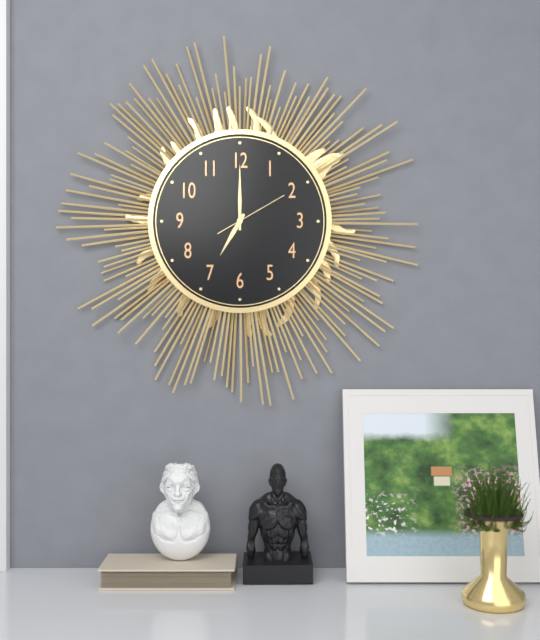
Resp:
**7:00:10**
